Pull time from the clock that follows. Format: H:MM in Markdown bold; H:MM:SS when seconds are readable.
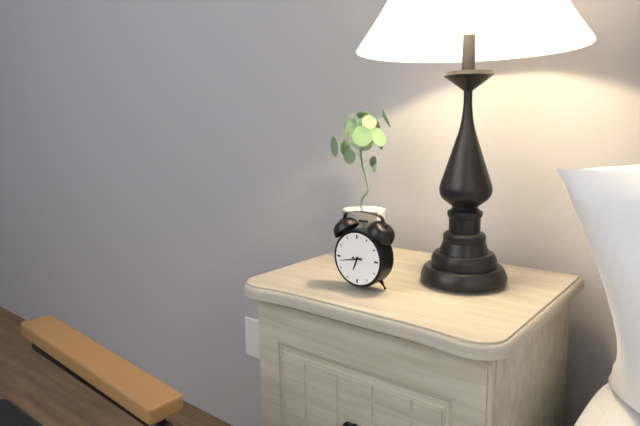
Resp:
**6:43**
